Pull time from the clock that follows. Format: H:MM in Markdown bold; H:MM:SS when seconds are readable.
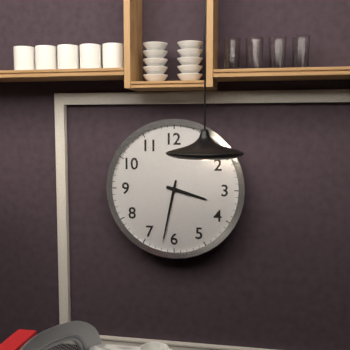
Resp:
**3:32**
